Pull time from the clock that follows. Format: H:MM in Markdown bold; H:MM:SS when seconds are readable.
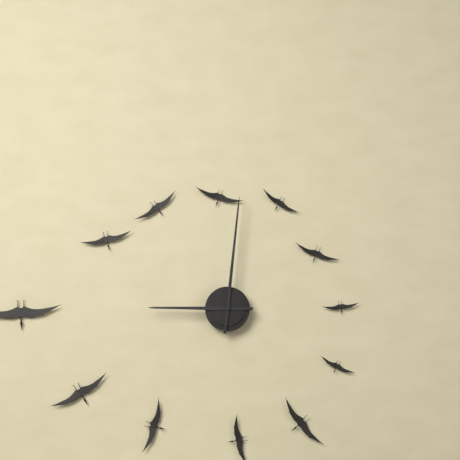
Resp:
**9:01**
